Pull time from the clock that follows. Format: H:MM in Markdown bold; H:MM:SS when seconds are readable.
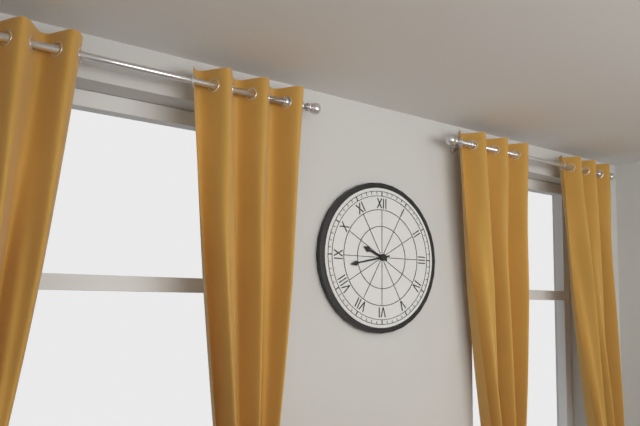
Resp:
**9:43**
